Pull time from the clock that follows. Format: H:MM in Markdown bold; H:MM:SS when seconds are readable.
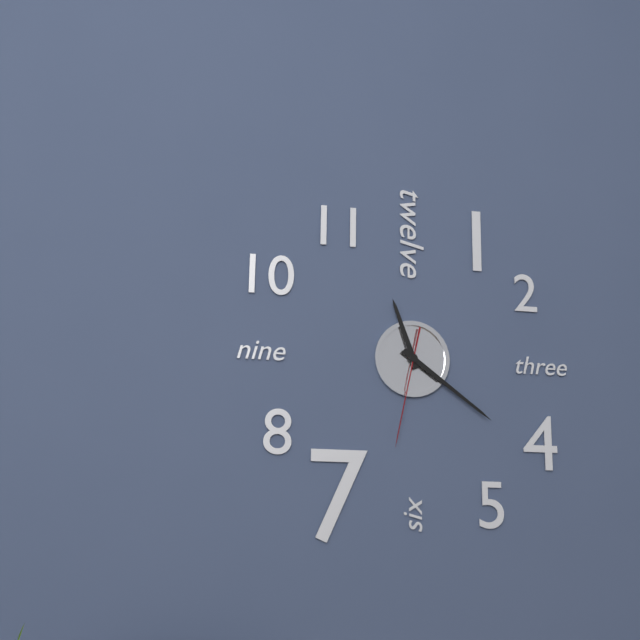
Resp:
**11:21:32**
